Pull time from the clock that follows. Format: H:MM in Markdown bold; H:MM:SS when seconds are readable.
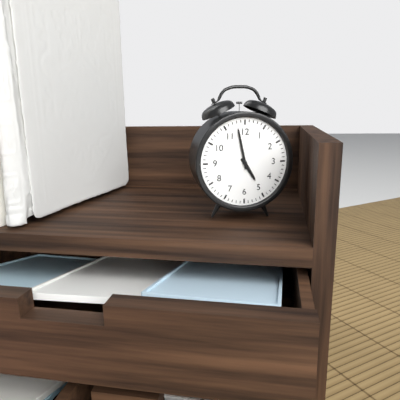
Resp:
**4:58**
